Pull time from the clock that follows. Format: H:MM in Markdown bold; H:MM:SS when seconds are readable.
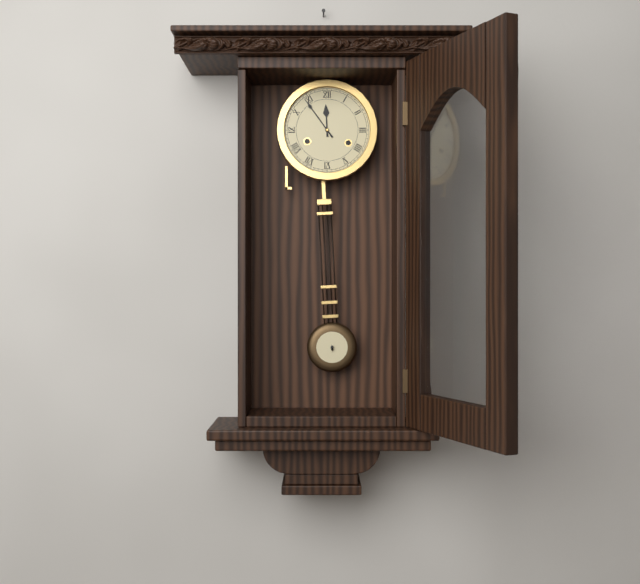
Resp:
**11:54**
